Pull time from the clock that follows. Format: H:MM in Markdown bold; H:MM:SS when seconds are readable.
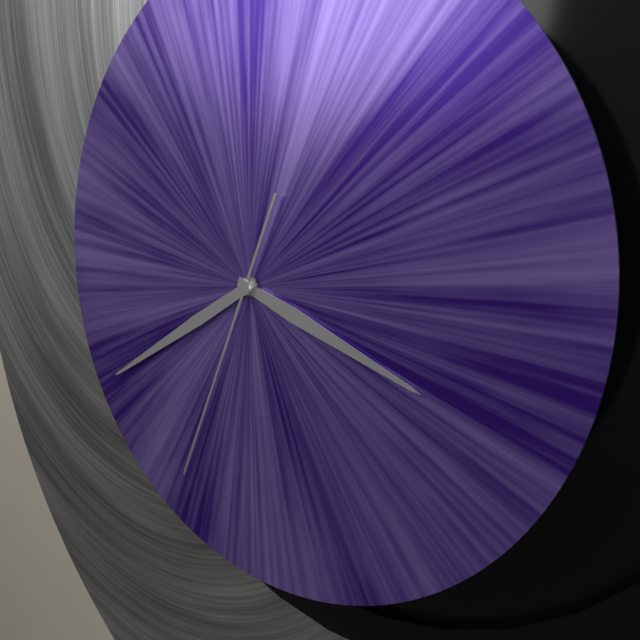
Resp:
**3:40:34**
